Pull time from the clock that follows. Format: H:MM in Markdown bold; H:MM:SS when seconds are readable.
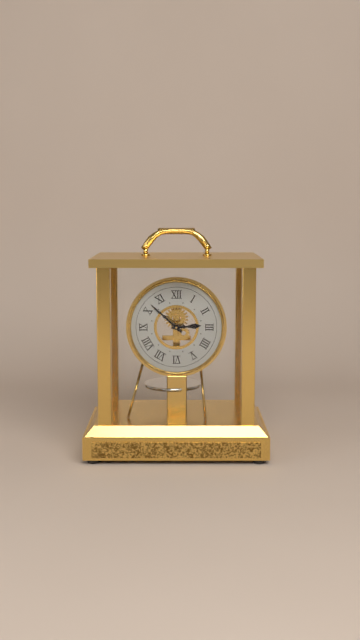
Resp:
**2:52**
